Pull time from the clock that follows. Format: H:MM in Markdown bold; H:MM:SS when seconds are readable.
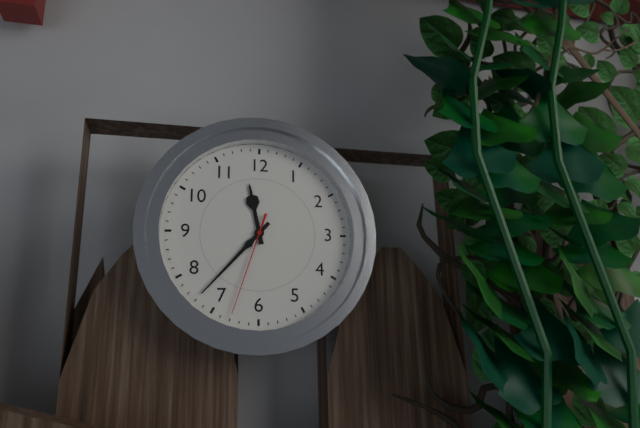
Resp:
**11:37:33**
